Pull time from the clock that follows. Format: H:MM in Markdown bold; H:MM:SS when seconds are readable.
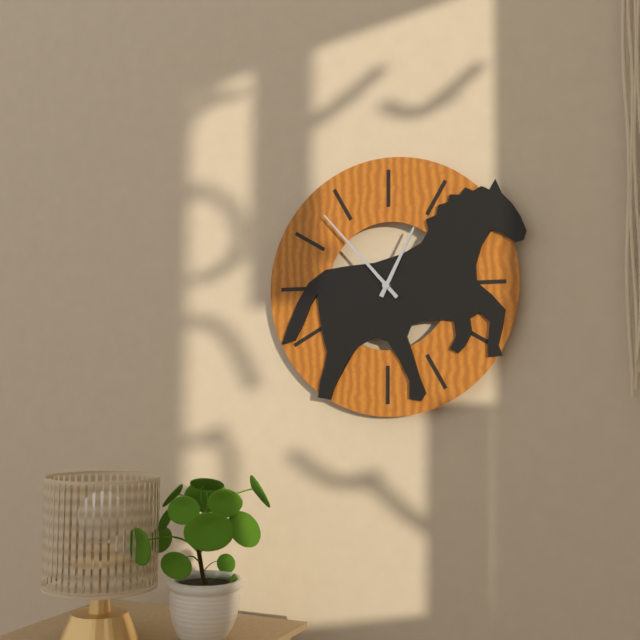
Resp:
**12:53**
